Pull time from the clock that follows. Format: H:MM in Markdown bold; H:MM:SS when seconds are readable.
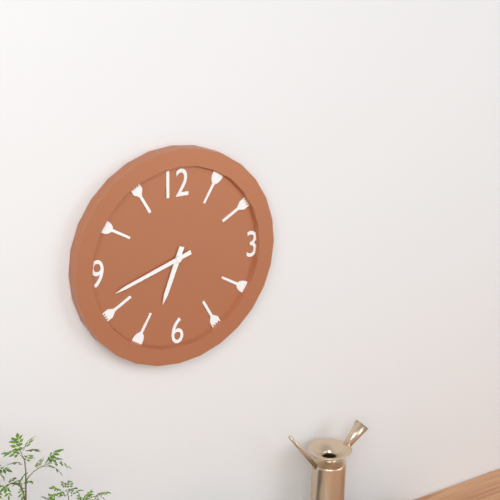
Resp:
**6:42**
